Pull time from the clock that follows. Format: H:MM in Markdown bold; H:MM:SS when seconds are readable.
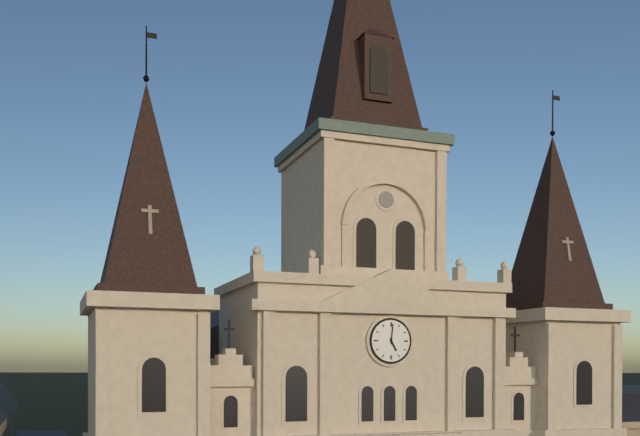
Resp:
**5:01**
